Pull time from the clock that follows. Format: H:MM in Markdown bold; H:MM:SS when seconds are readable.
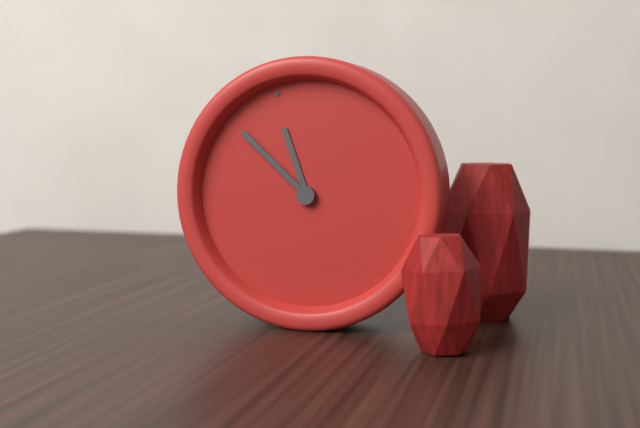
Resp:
**11:55**
